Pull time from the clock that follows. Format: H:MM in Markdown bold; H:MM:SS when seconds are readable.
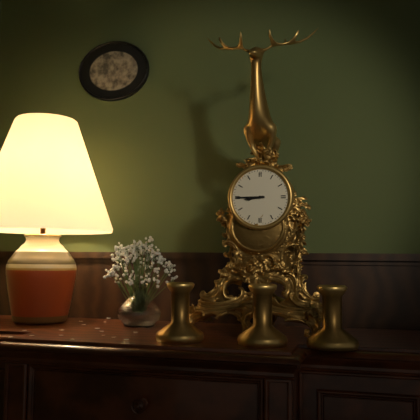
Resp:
**8:45**
